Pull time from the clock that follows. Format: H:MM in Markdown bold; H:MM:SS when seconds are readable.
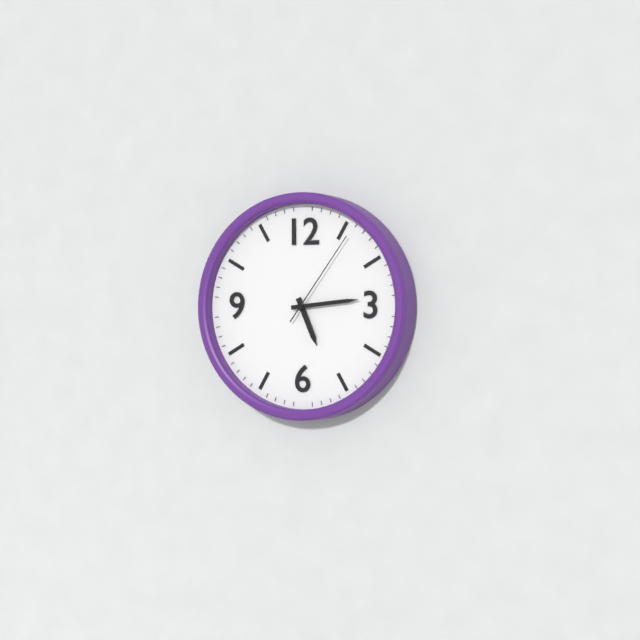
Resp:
**5:14:06**
